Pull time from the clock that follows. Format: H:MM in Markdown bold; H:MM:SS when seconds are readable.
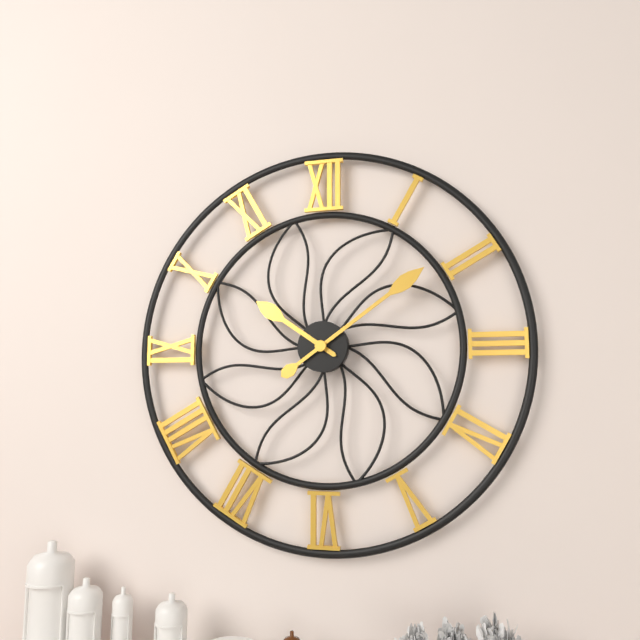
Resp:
**10:09**
